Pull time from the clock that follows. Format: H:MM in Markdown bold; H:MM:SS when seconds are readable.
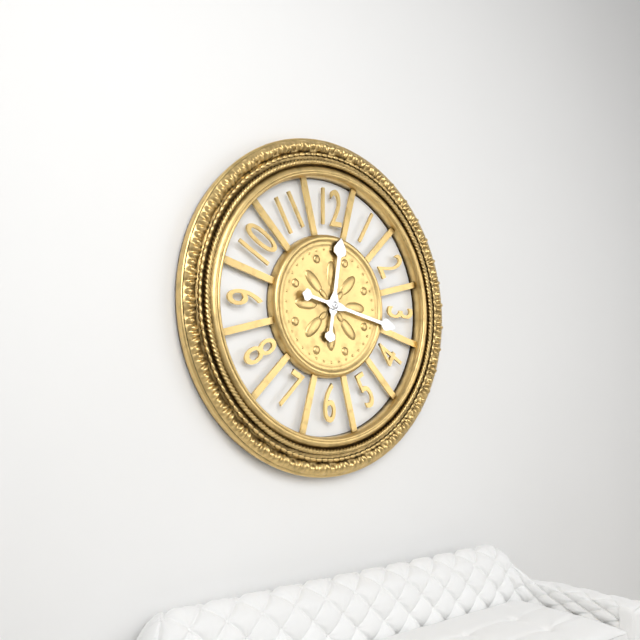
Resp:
**12:17**
